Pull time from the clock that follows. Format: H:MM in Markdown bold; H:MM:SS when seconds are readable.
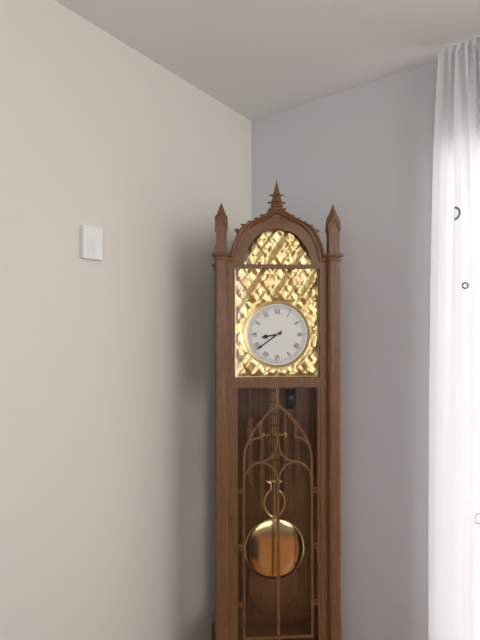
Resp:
**8:39**
